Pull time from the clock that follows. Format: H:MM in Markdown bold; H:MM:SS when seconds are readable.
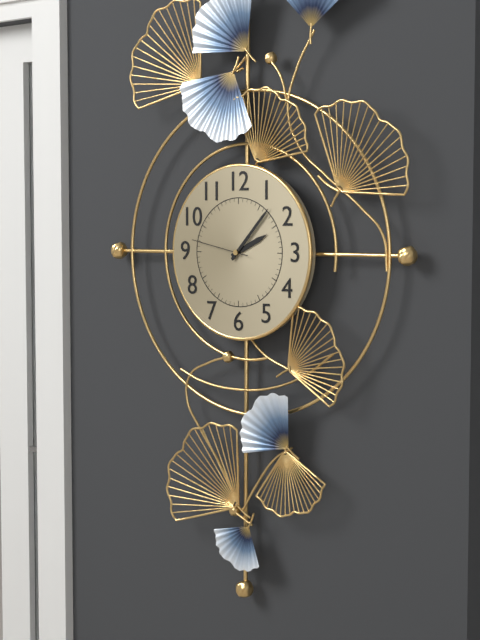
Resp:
**2:07:47**
